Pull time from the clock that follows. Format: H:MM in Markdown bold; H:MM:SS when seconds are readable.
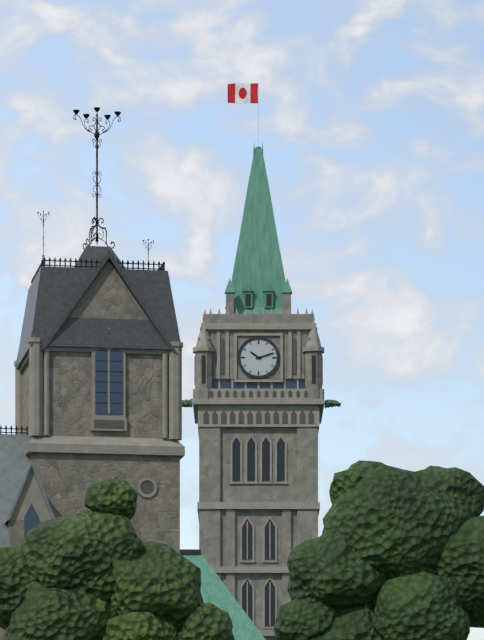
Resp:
**10:12**
